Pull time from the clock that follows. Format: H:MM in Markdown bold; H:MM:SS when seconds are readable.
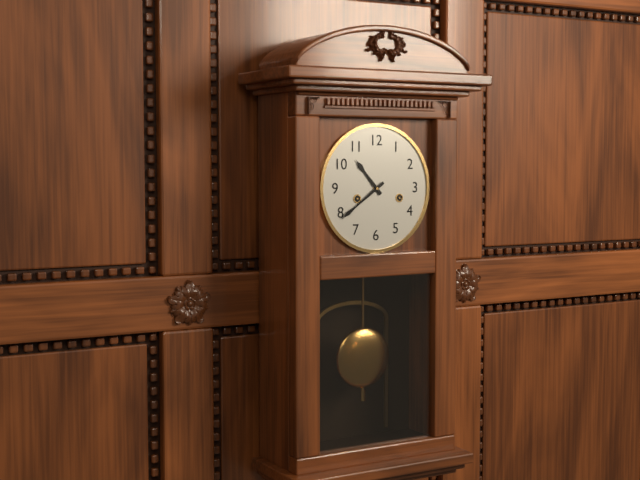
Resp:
**10:39**
